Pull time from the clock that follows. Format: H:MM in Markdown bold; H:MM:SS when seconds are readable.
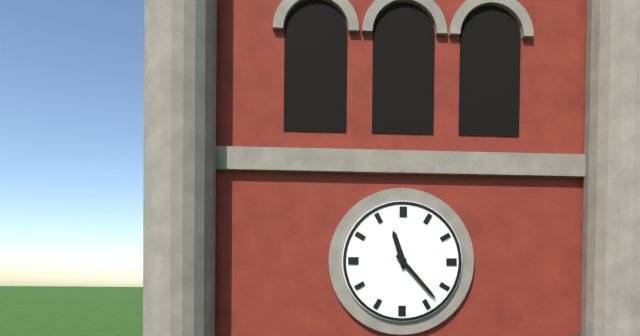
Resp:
**11:23**
